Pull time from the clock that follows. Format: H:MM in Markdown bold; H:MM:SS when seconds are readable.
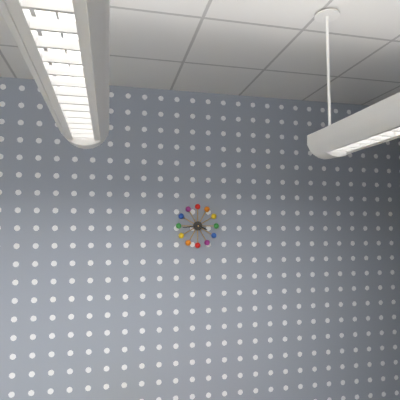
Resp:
**3:44**
